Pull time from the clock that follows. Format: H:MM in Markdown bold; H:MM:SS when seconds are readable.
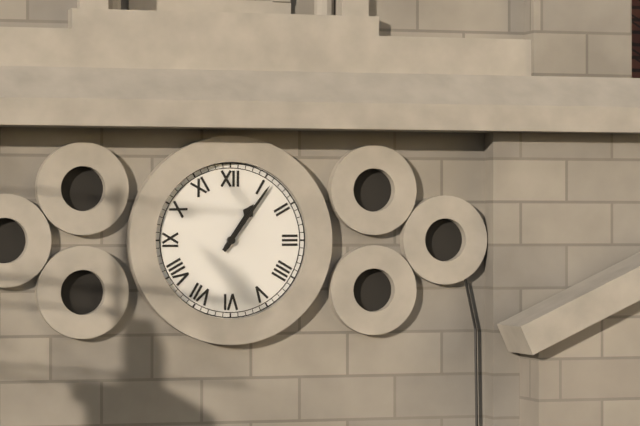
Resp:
**1:06**
